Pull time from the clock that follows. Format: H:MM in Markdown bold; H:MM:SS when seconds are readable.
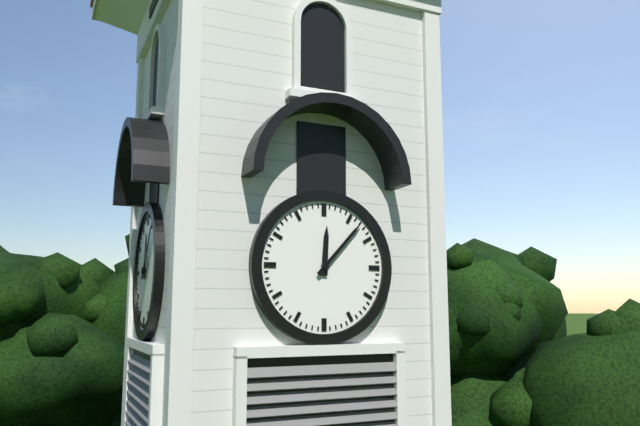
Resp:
**12:07**
